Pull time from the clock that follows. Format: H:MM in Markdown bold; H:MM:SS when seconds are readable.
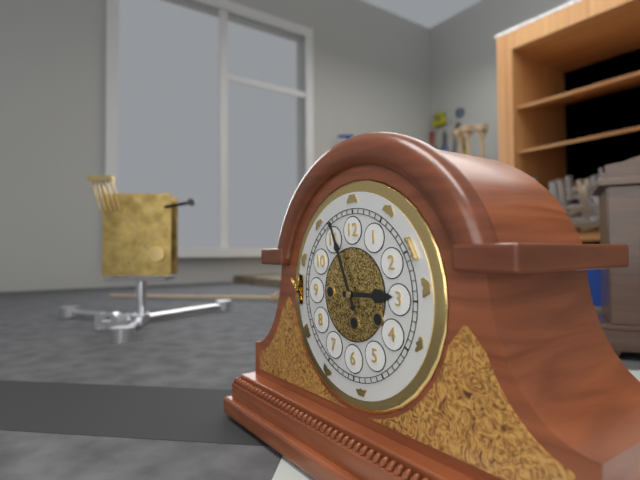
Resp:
**2:56**
